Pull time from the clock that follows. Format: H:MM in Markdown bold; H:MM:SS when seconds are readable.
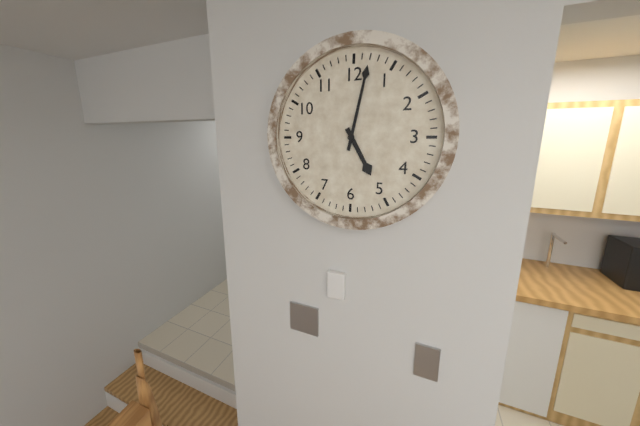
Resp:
**5:02**
